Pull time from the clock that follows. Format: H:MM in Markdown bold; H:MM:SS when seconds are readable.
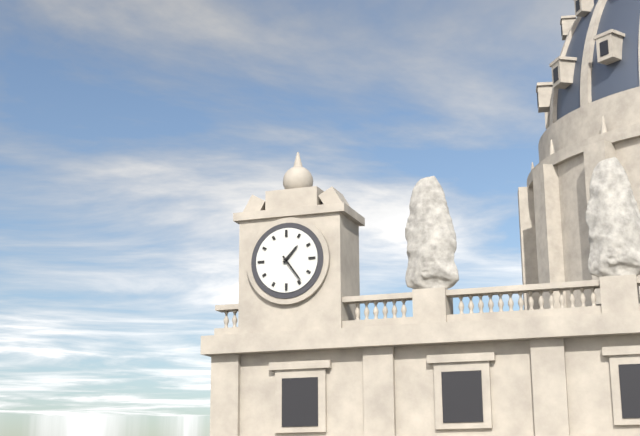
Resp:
**1:24**
